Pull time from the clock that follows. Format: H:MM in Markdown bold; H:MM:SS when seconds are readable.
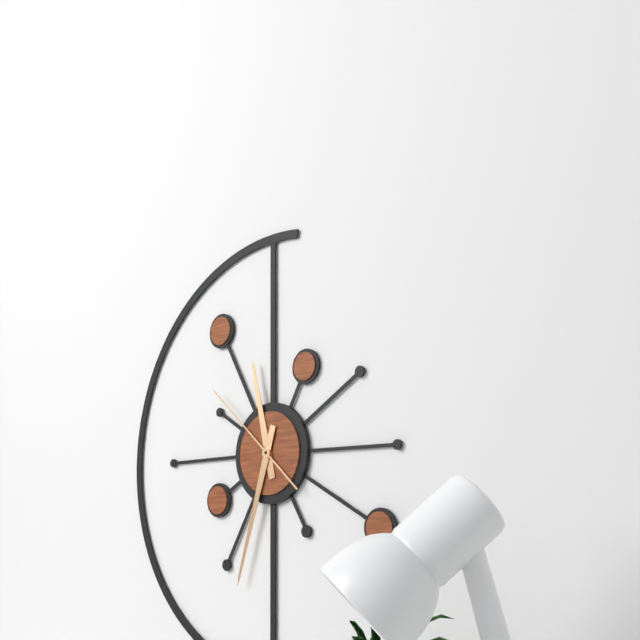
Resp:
**11:33:52**
